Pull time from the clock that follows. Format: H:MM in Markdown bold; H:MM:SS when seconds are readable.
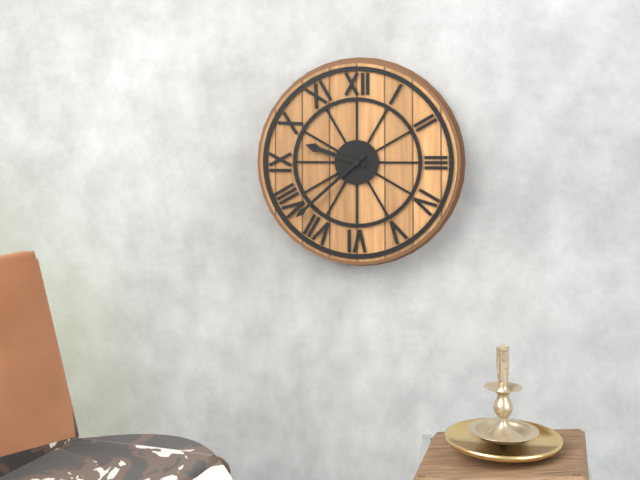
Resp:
**9:38**
